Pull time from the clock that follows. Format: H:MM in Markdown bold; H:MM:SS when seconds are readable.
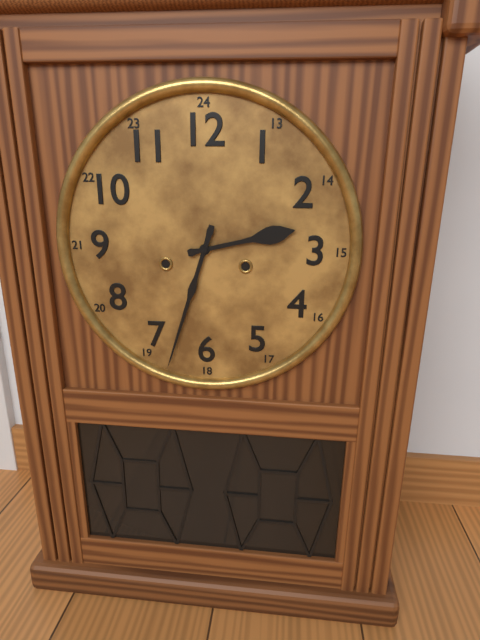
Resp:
**2:33**
